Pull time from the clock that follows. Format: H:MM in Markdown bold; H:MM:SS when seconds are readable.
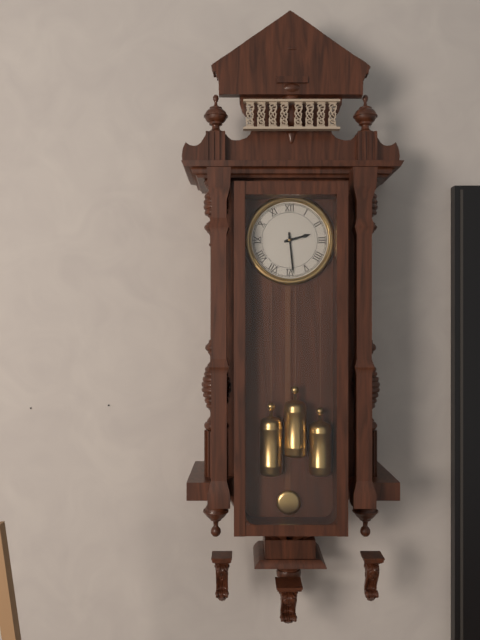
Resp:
**2:29**
